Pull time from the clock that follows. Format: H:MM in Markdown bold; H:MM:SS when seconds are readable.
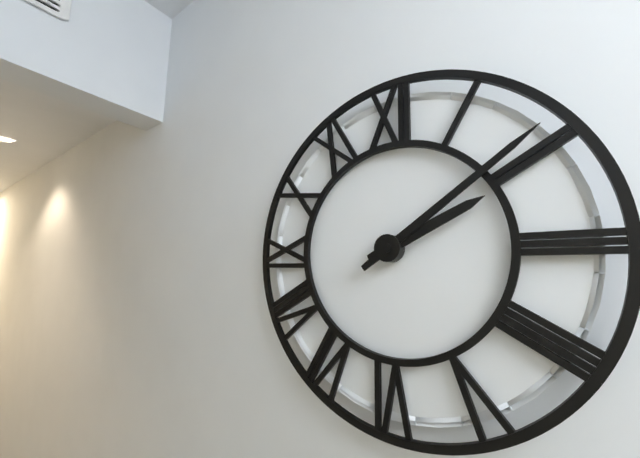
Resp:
**2:09**
